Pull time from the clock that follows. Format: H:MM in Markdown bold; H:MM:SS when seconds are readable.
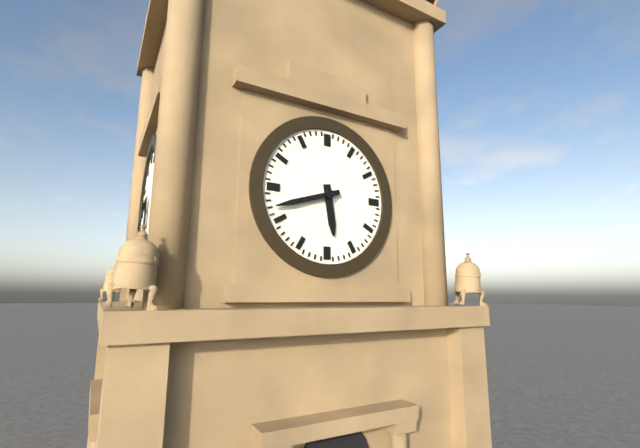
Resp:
**5:42**
